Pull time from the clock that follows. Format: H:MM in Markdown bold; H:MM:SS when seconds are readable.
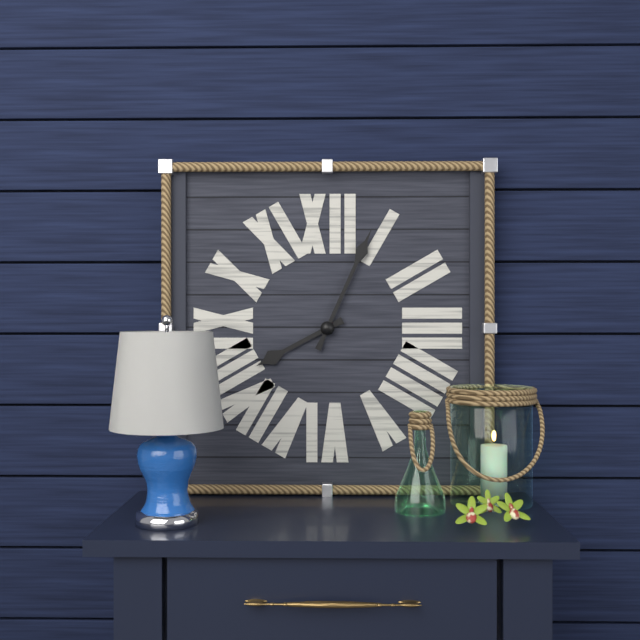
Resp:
**8:04**
